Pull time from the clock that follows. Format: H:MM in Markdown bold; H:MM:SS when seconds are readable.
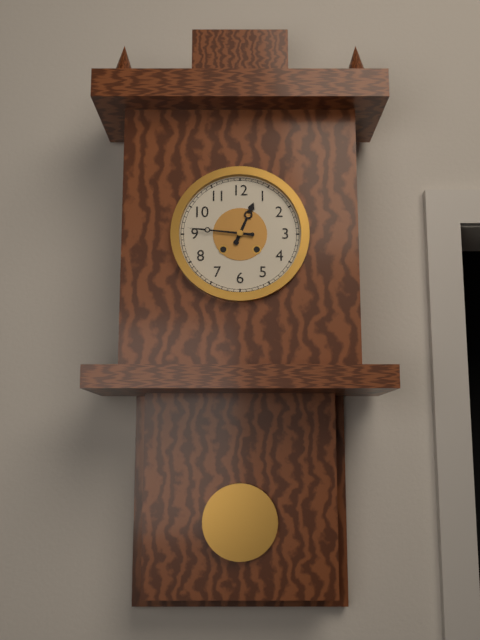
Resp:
**12:46**
